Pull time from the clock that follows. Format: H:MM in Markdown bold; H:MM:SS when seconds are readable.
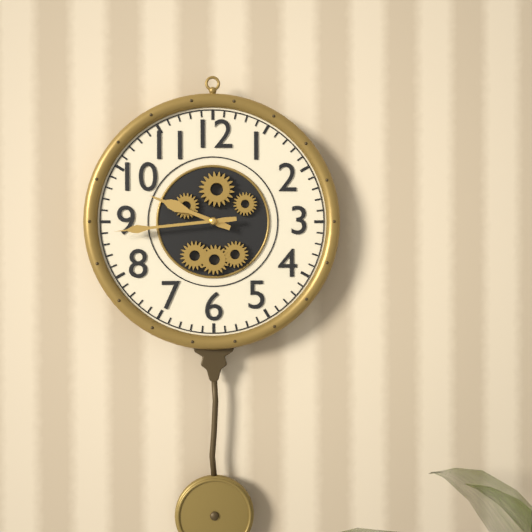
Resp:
**9:44**
